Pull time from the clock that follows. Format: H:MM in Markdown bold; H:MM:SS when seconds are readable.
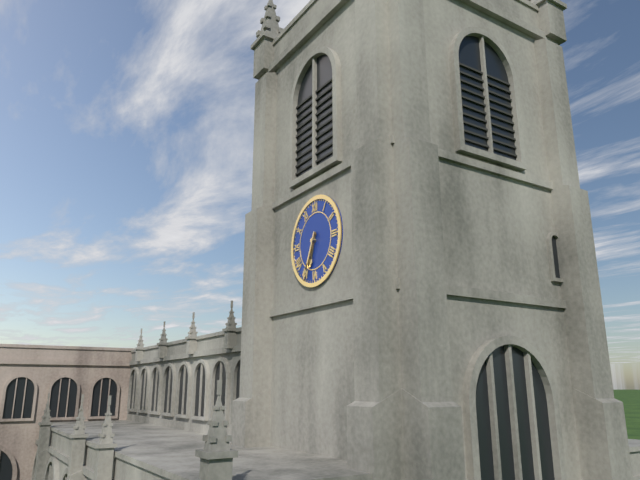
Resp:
**6:34**
